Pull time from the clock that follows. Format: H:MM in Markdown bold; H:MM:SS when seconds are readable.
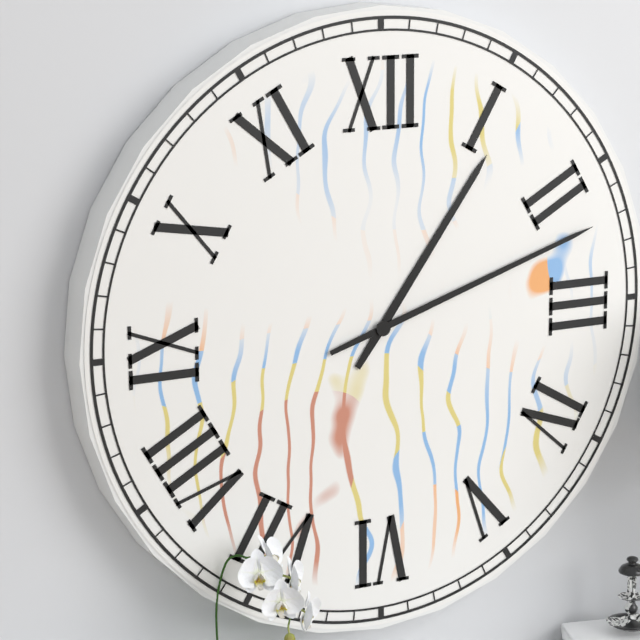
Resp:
**1:12**
